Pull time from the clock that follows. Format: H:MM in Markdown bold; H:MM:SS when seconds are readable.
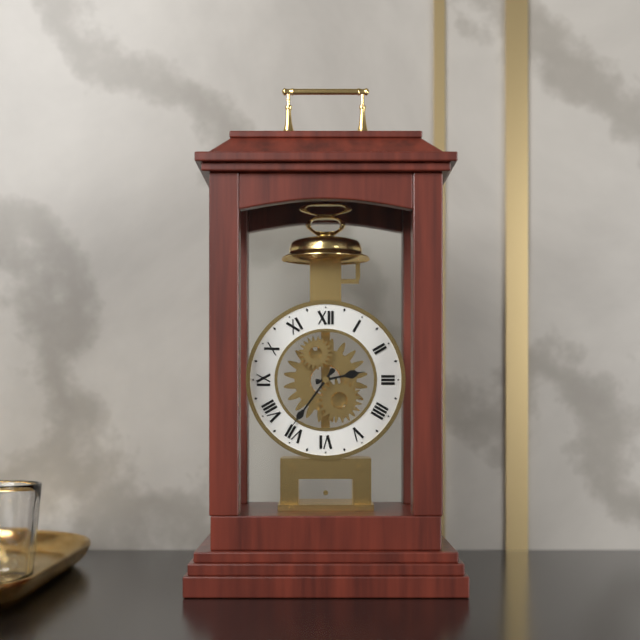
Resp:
**2:36**
